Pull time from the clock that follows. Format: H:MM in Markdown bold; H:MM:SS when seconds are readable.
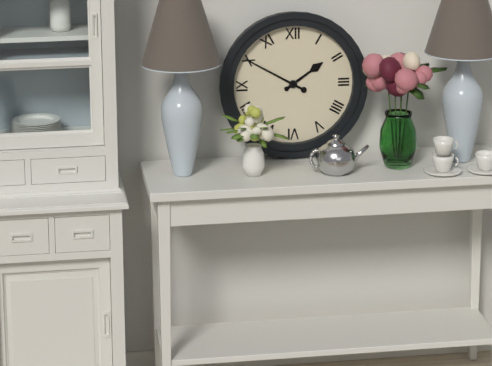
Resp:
**1:50**
